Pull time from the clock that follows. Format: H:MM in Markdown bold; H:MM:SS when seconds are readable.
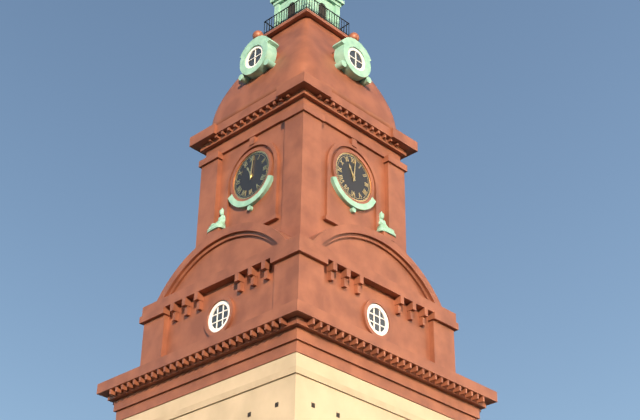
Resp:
**11:01**
